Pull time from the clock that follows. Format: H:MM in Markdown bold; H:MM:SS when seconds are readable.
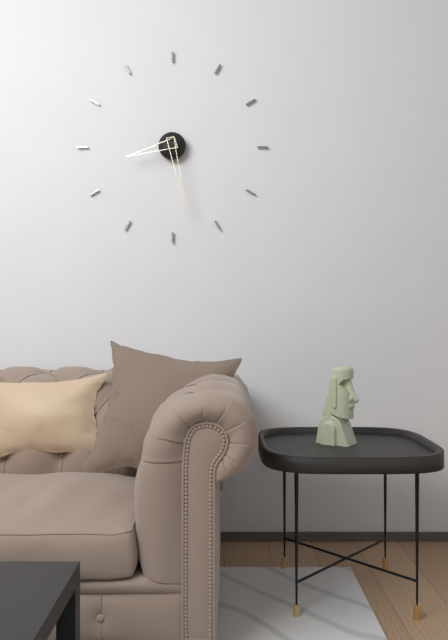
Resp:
**8:28**
